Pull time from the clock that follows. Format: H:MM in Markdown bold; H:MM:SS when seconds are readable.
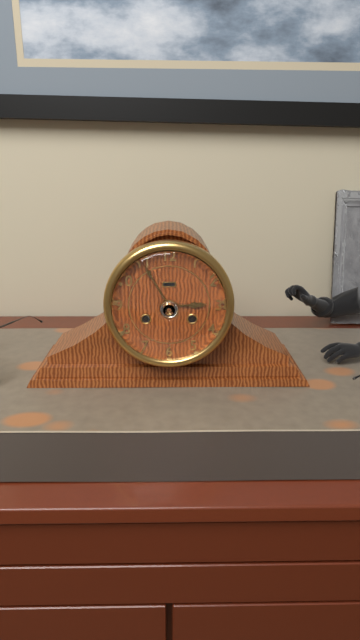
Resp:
**2:55**
